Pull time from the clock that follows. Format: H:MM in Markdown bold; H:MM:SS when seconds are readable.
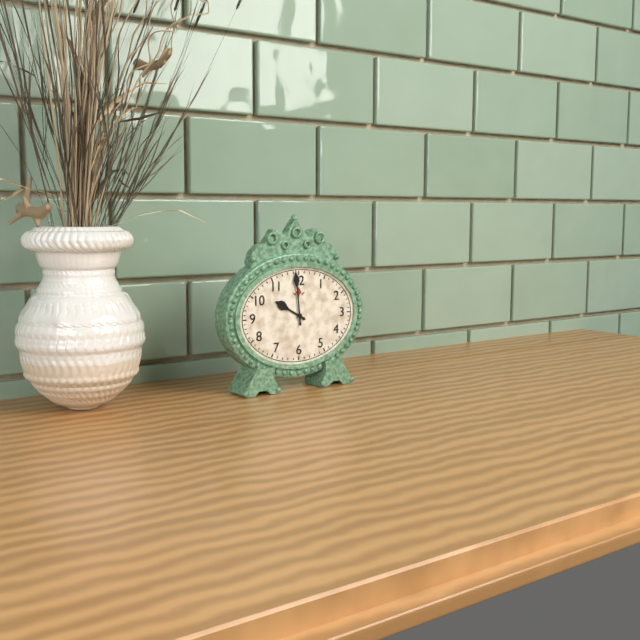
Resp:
**9:59**
